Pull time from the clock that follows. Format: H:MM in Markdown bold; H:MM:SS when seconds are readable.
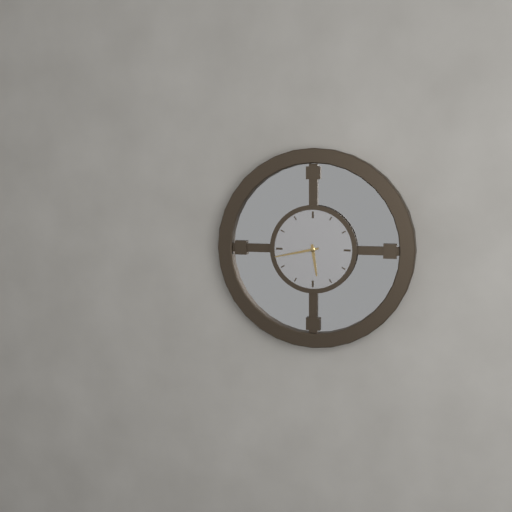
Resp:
**5:43**
